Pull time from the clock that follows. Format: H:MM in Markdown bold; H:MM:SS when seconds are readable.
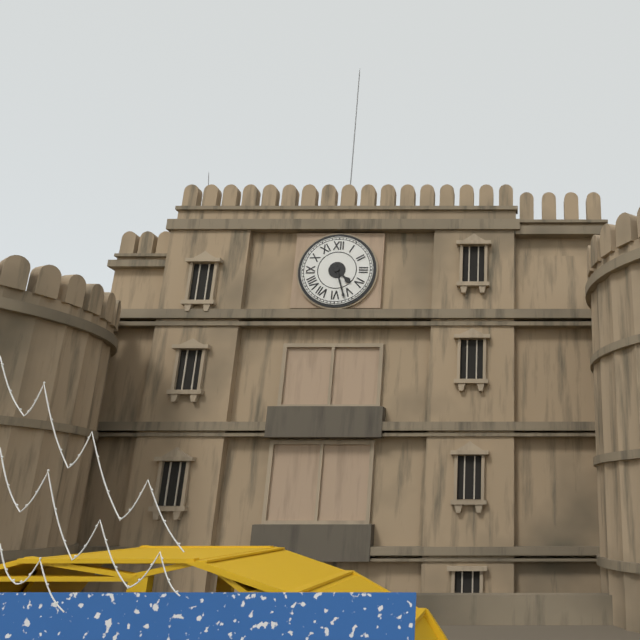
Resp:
**4:27**
